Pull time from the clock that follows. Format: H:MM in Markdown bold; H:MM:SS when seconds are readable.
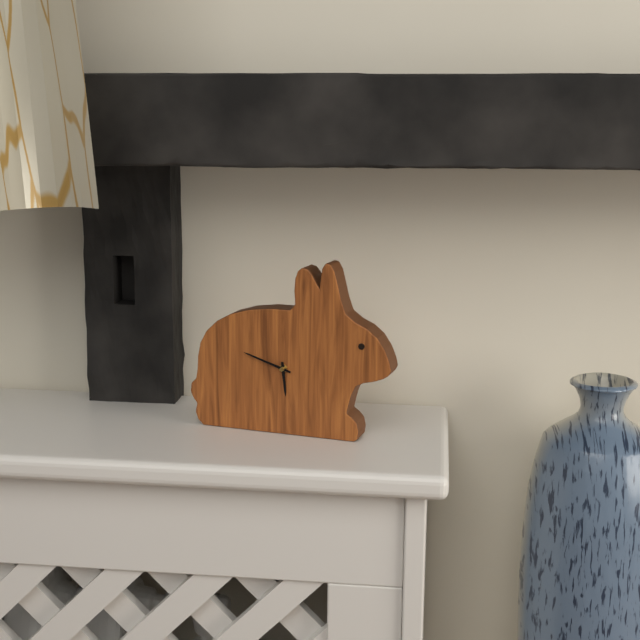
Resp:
**5:48**
